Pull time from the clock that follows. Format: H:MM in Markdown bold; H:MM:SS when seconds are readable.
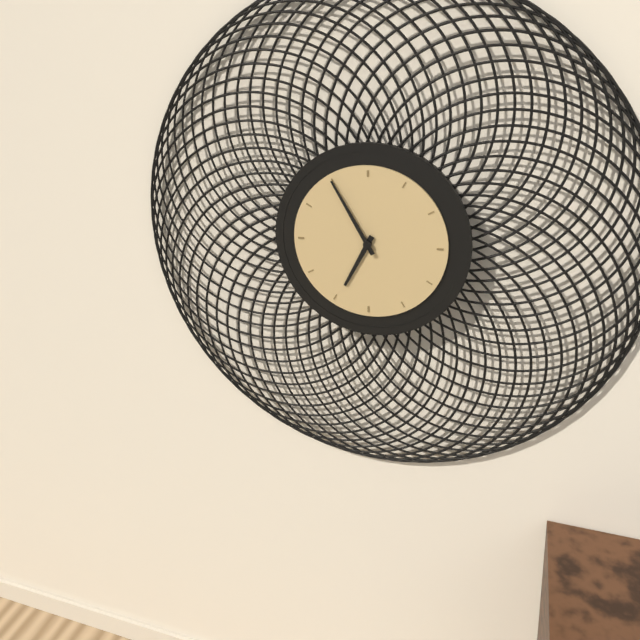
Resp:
**6:55**
